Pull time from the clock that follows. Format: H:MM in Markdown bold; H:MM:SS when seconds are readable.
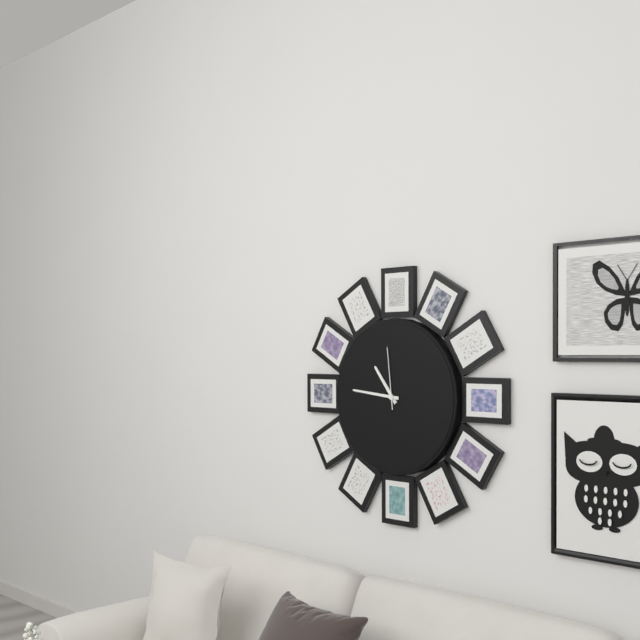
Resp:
**10:46:59**
